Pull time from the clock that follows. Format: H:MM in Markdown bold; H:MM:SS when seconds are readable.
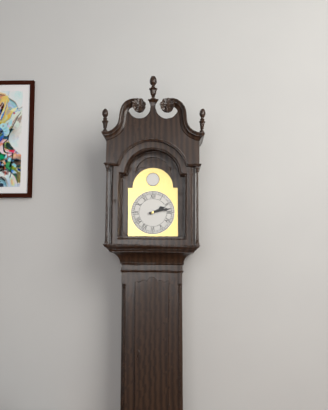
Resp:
**2:13**
